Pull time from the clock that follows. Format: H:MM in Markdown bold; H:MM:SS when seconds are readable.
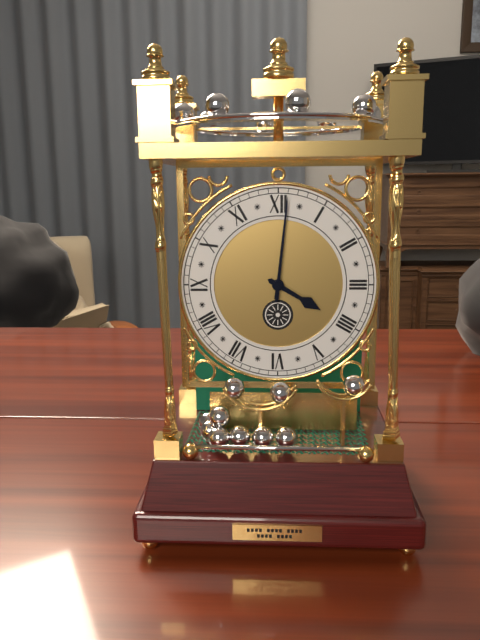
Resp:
**4:01**
